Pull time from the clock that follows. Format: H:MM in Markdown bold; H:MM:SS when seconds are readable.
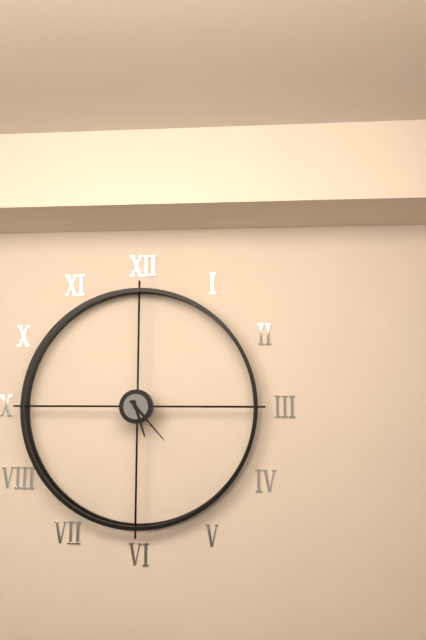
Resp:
**5:23**
